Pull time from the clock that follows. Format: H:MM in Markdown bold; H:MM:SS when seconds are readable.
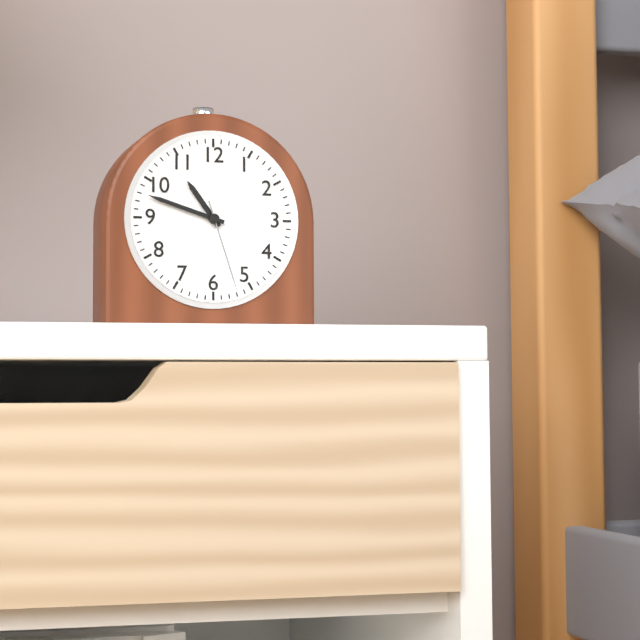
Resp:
**10:48:27**
